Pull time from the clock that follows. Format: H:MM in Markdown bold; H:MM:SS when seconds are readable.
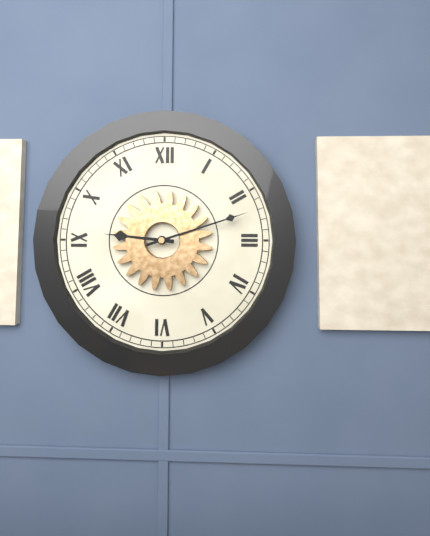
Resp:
**9:12**
